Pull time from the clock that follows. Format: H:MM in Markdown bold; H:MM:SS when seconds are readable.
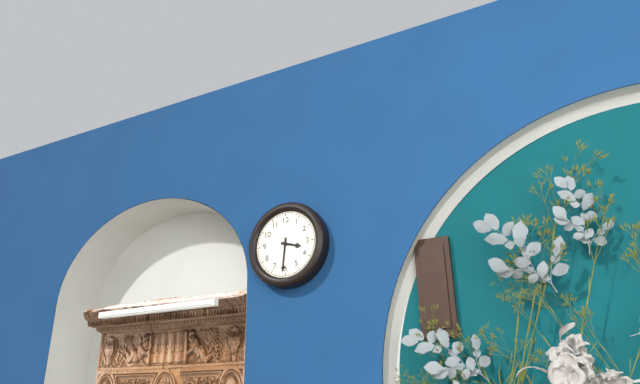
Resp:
**3:31**
